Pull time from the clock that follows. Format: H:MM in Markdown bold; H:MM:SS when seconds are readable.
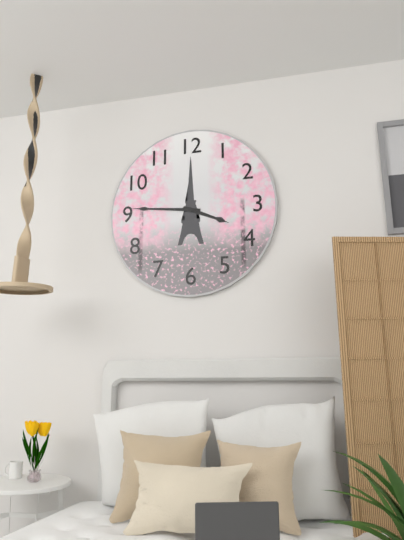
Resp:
**3:46**
